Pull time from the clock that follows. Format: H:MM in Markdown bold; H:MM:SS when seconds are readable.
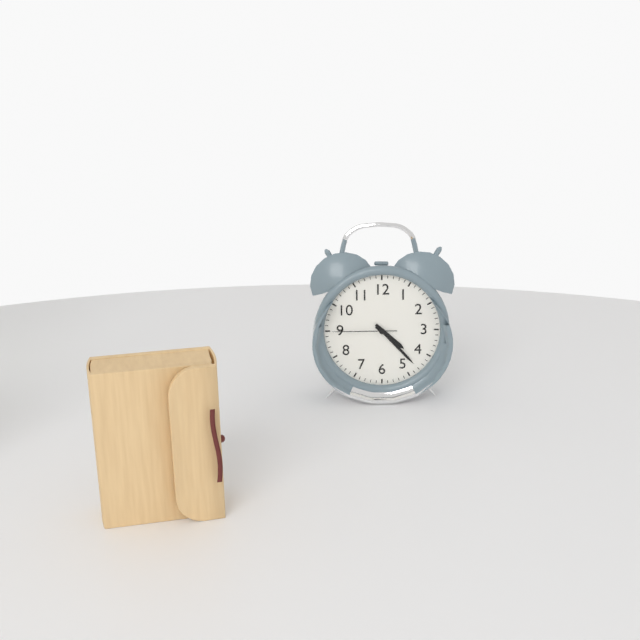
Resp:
**4:23:45**
